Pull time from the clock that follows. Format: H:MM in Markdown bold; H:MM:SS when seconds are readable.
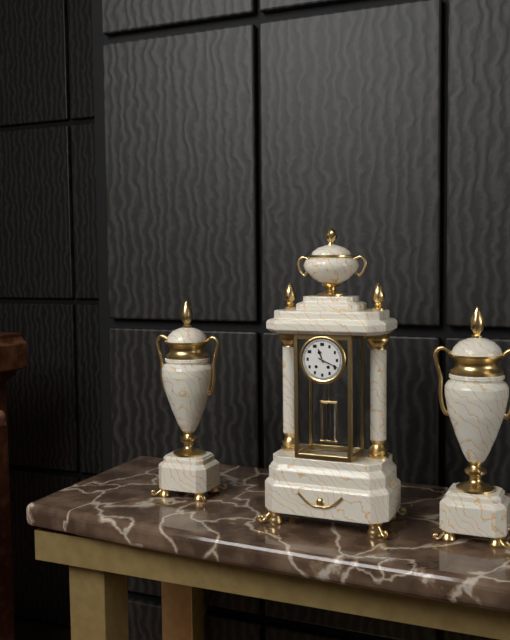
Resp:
**11:19**
